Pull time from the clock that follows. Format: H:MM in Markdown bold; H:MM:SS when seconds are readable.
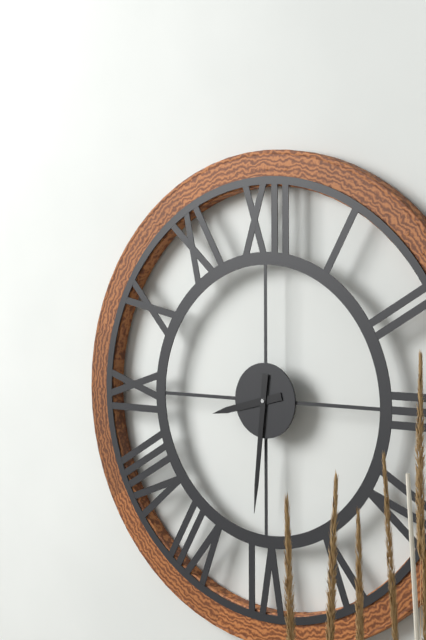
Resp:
**8:31**
